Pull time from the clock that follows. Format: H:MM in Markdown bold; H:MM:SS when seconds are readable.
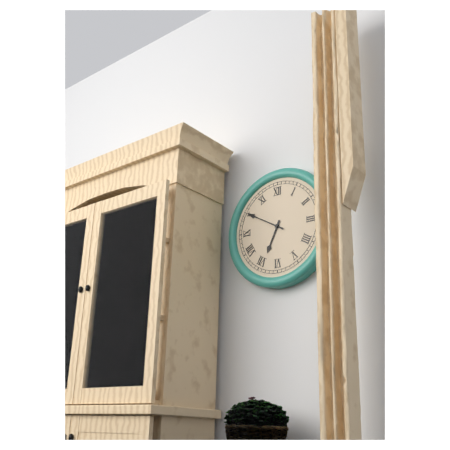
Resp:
**6:50**
